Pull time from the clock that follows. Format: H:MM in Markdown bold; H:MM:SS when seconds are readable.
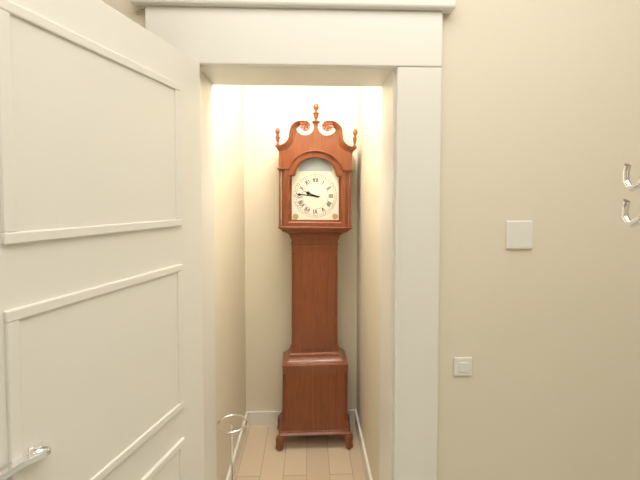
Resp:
**9:46**
